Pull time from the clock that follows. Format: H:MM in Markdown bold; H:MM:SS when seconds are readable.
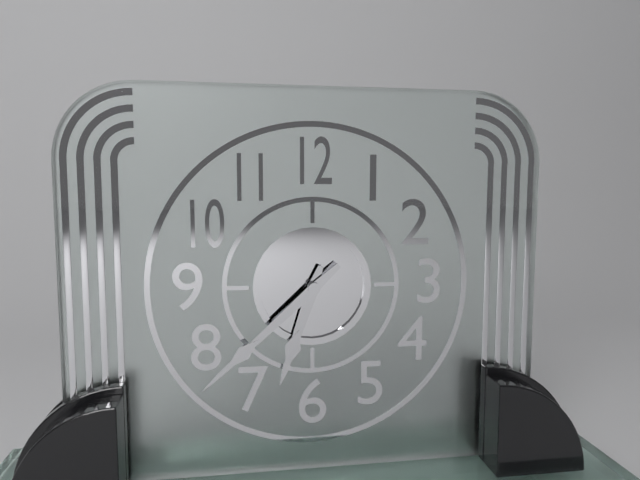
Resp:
**6:38**
